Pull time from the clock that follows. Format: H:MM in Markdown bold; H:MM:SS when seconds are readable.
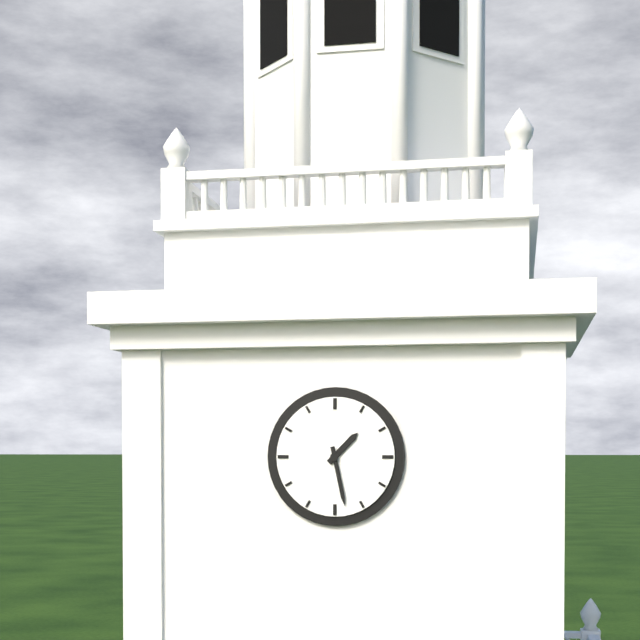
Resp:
**1:28**
